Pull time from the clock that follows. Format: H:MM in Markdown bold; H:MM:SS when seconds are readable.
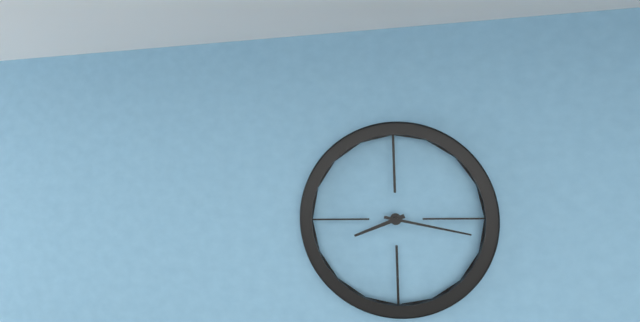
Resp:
**8:17**
